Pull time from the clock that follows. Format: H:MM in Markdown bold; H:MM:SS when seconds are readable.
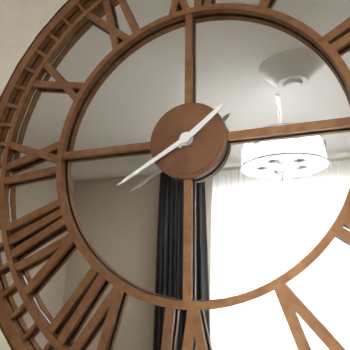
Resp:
**1:40**
